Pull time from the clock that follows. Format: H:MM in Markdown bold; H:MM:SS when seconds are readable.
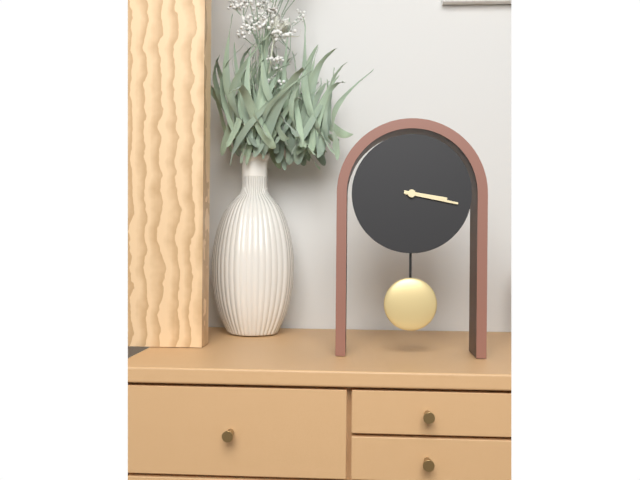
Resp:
**3:17**
